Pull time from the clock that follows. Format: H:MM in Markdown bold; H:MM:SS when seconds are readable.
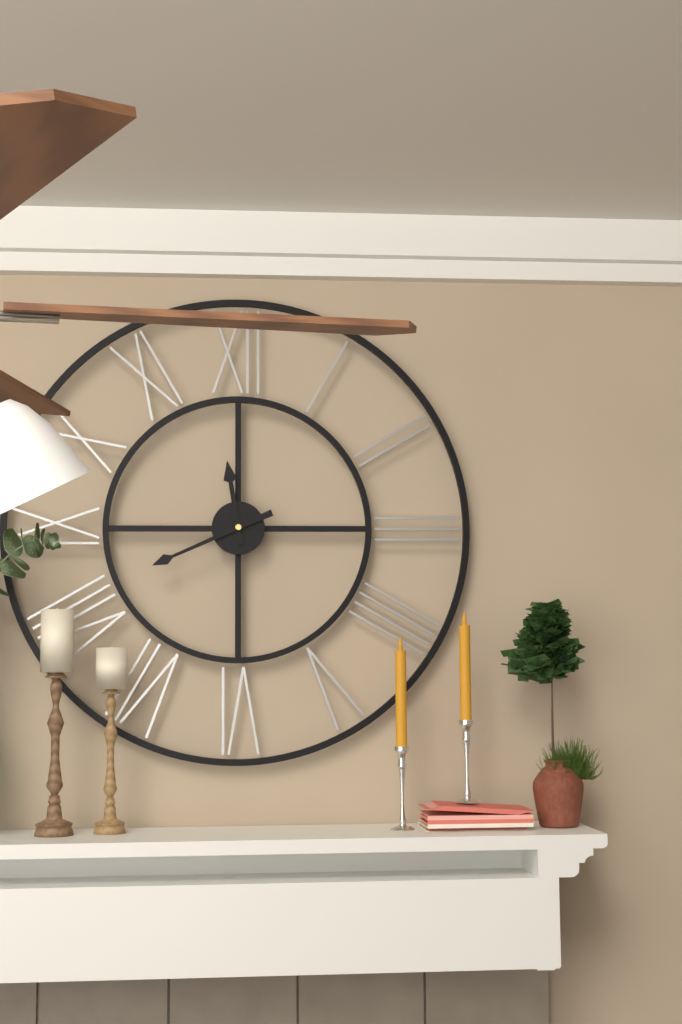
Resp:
**11:41**
